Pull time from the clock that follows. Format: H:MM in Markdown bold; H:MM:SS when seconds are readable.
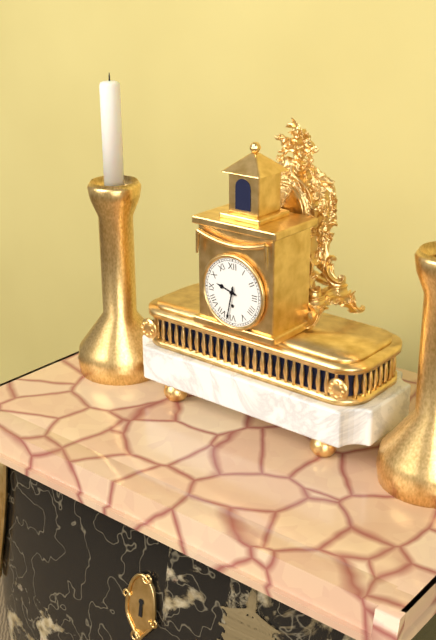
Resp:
**9:32**
